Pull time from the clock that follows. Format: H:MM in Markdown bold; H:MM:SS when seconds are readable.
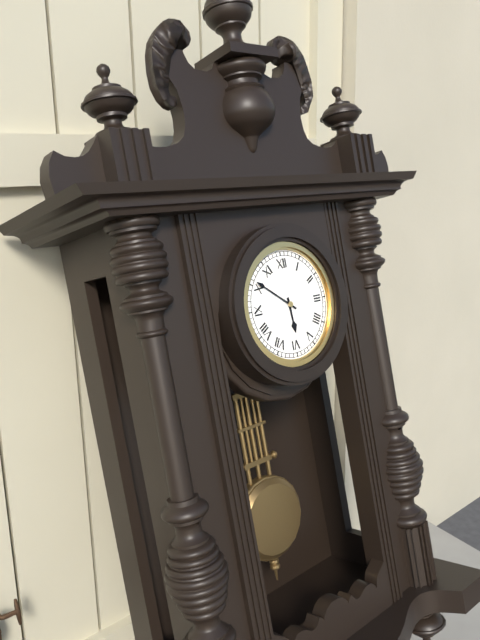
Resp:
**5:51**
